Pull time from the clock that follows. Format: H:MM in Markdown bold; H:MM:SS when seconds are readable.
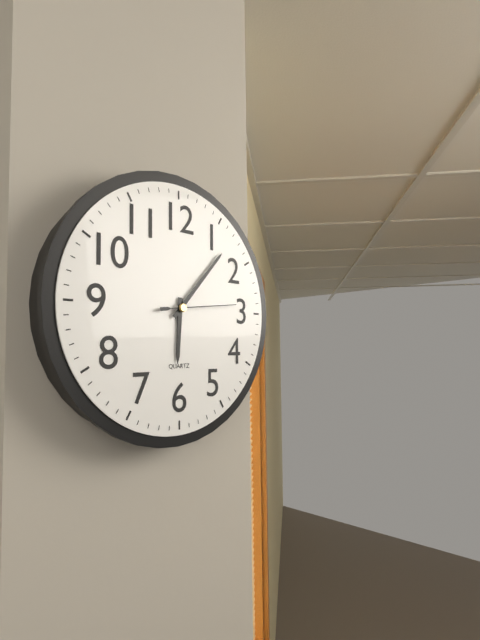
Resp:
**6:07:14**
